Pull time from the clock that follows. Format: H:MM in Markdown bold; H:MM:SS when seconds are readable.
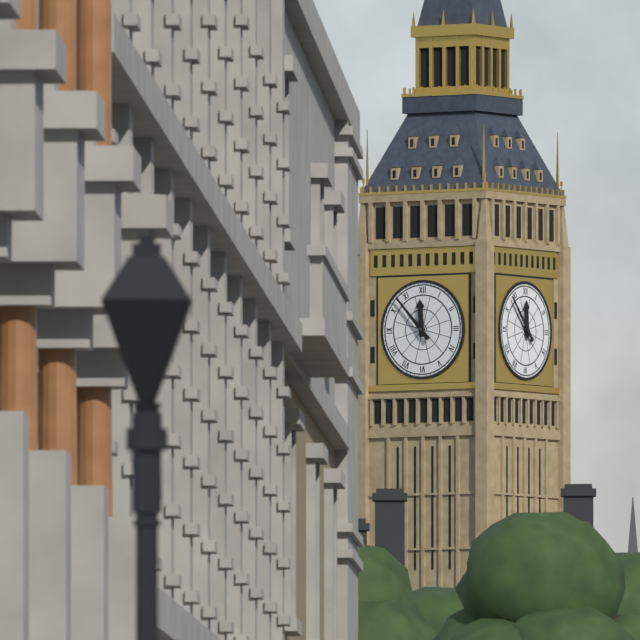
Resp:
**11:53**
